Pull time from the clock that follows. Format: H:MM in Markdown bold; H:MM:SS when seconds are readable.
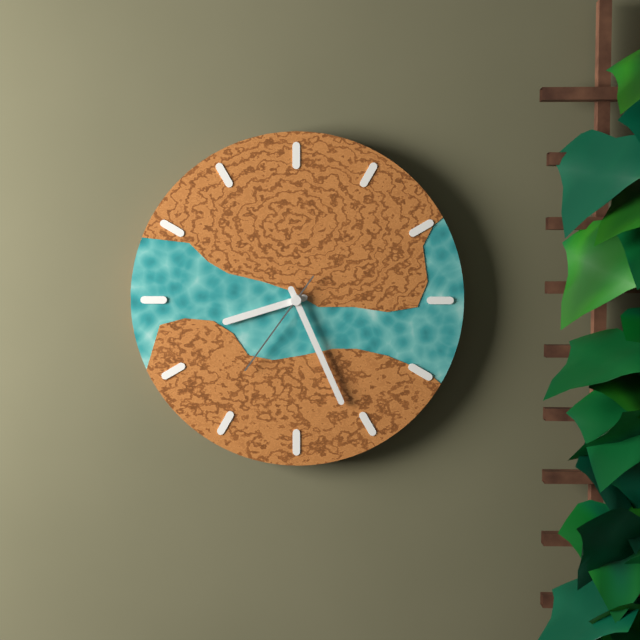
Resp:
**8:26:36**
